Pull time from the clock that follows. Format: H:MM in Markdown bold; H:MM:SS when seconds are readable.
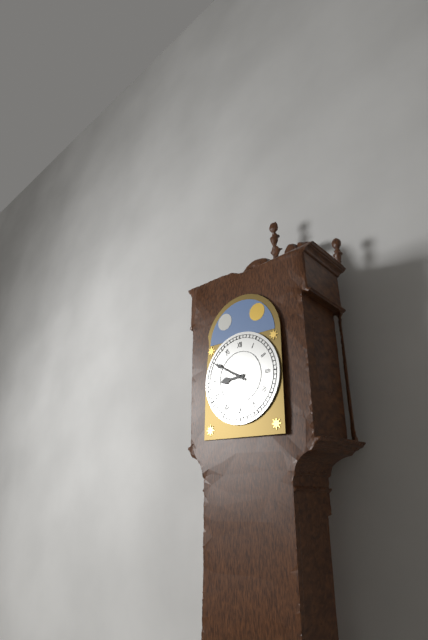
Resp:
**8:50**
